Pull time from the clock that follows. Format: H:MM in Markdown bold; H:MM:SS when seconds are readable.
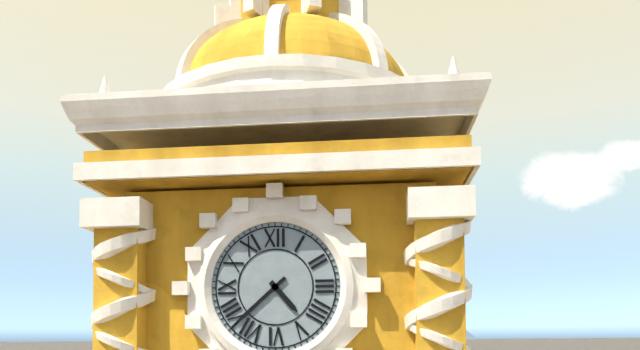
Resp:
**4:38**
